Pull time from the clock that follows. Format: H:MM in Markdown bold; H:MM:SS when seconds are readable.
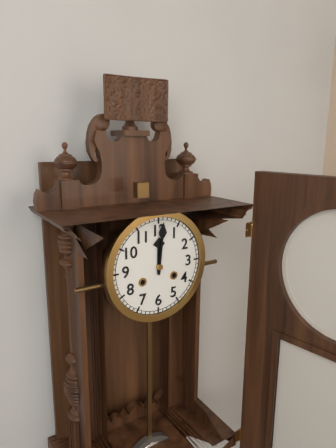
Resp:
**12:01**
